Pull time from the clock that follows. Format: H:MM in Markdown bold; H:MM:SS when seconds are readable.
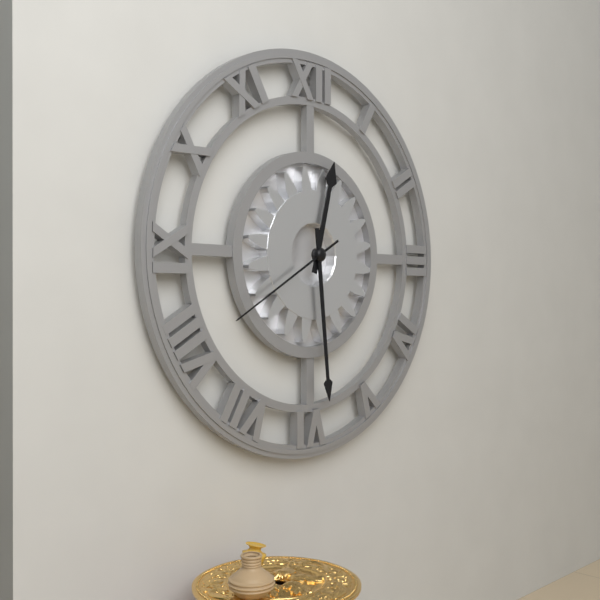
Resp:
**12:29:40**
